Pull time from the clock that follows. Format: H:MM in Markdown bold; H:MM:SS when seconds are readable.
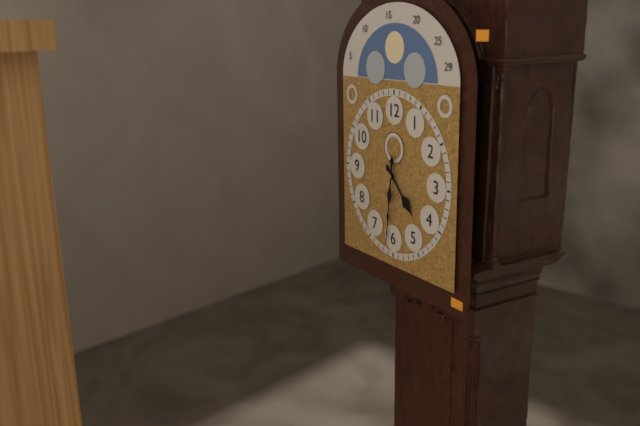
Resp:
**4:31**
